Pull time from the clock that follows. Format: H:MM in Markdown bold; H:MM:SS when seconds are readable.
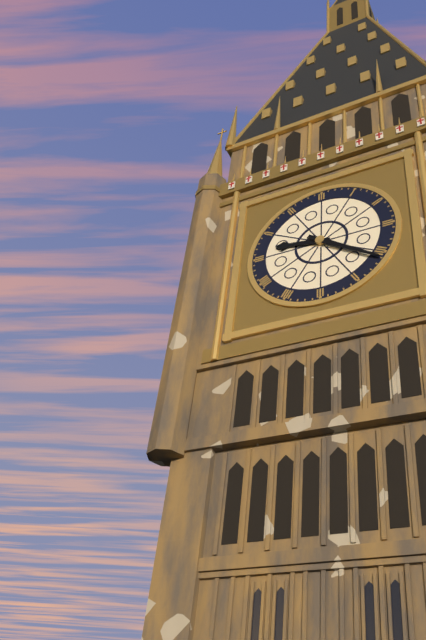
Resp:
**9:21**
